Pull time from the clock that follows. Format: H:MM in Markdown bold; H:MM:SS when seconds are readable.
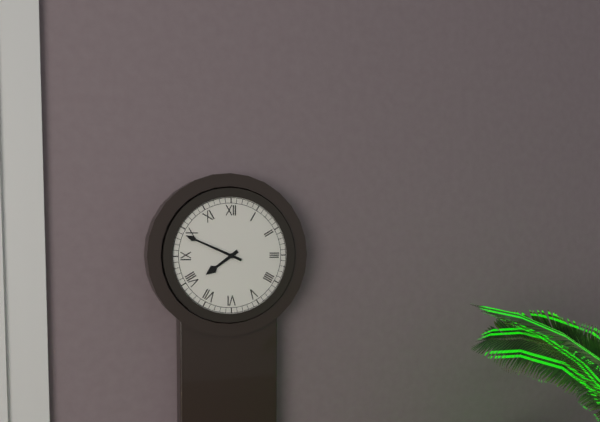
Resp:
**7:49**
